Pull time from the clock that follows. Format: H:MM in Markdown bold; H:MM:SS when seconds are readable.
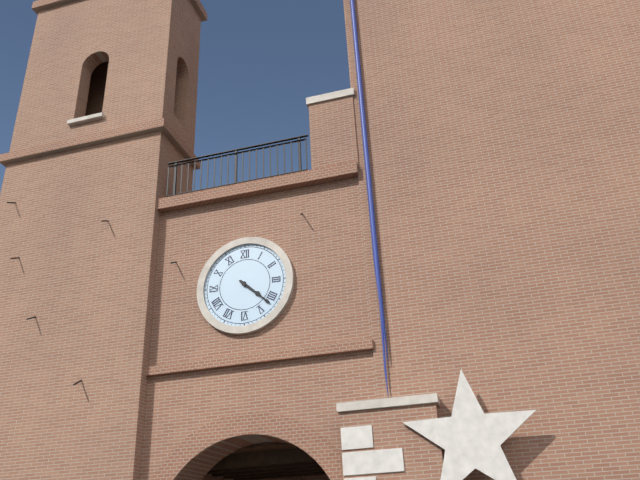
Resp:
**4:22**
